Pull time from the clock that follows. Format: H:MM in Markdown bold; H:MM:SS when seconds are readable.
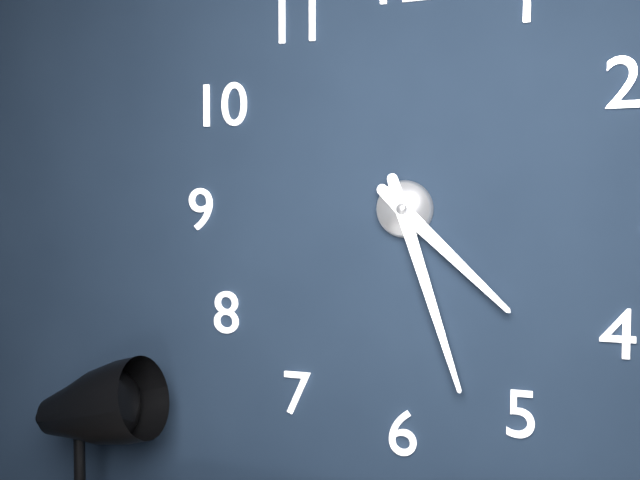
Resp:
**4:27**
